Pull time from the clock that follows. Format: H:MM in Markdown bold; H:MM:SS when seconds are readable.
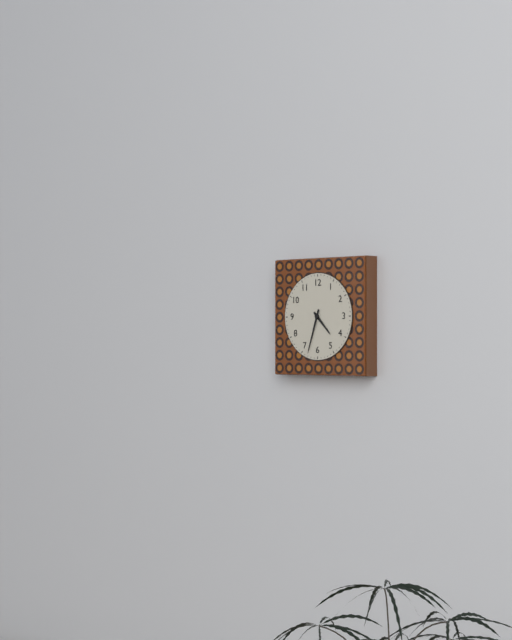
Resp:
**4:33**
